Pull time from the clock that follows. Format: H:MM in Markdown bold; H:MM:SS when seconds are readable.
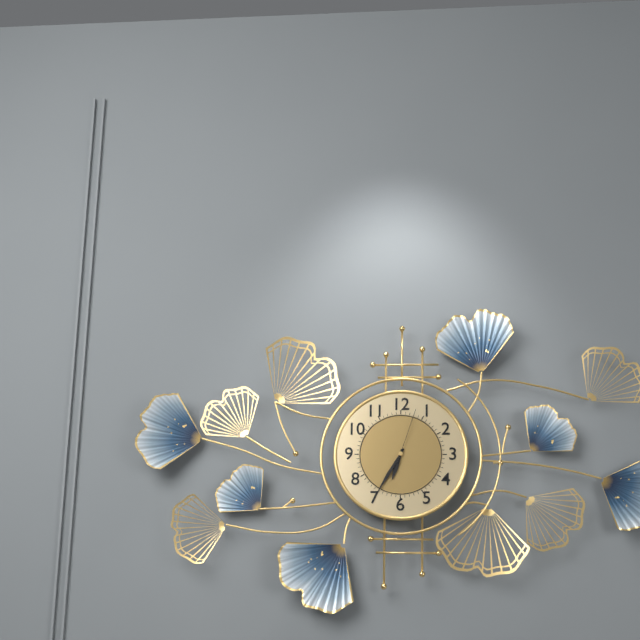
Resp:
**6:35:03**
